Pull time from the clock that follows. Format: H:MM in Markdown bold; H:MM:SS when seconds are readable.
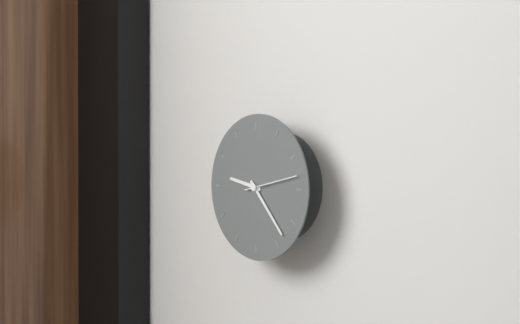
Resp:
**9:23:13**
